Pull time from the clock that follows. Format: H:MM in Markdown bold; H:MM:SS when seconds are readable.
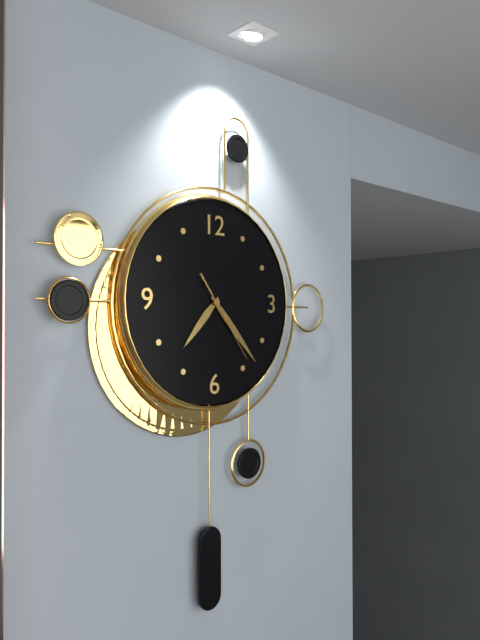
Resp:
**7:23:24**
